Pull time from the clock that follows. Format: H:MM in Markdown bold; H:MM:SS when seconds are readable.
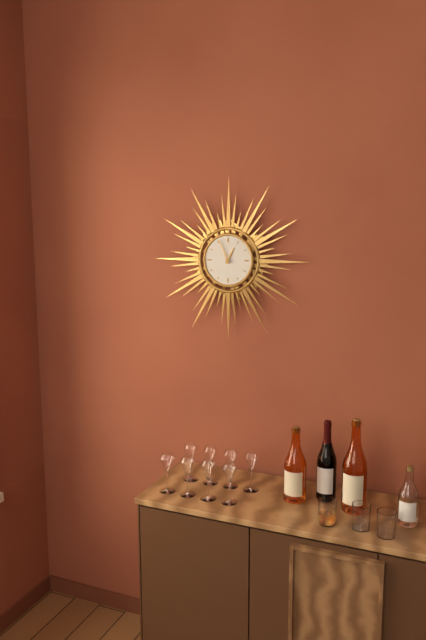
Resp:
**12:56**
